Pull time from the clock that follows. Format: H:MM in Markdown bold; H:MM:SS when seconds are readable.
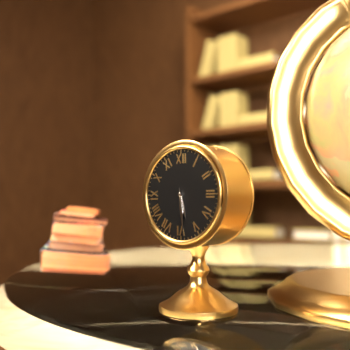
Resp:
**5:29**
